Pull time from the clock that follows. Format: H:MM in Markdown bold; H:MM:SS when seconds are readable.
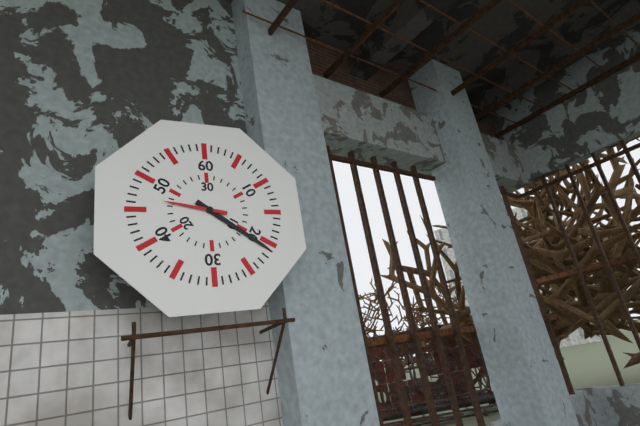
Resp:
**9:21**
